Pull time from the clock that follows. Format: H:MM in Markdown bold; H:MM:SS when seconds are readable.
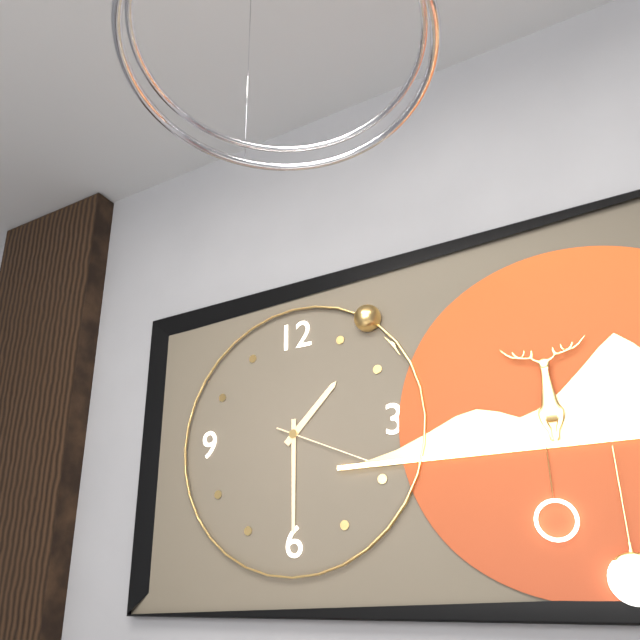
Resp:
**1:30:19**
